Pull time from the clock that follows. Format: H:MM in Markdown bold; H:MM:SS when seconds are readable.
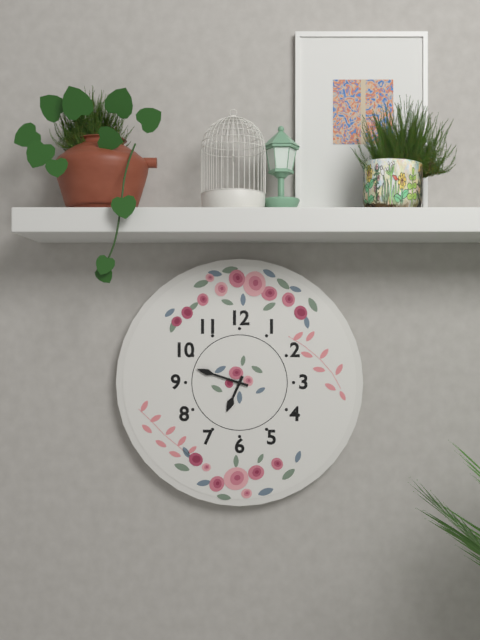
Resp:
**6:48**
